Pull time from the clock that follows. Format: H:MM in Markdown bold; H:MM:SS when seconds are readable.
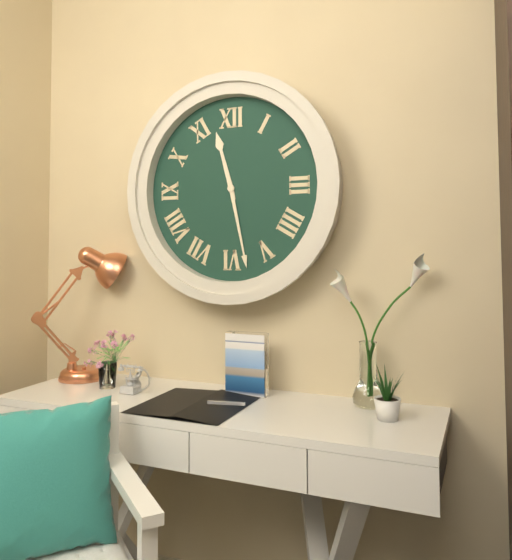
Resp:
**11:28**
